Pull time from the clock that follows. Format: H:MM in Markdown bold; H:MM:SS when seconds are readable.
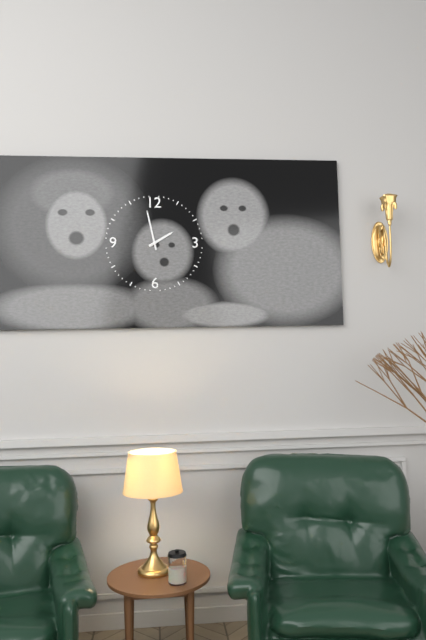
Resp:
**1:58**
